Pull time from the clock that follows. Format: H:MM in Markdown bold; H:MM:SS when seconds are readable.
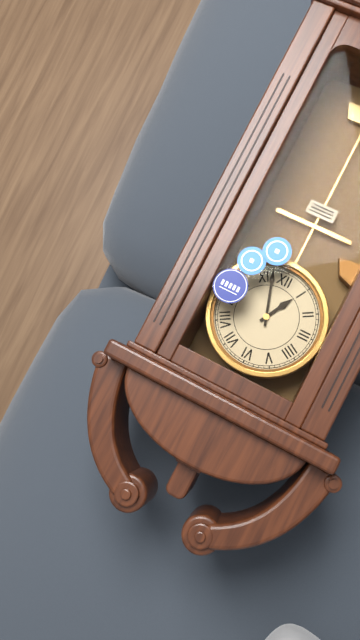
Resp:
**12:57**
